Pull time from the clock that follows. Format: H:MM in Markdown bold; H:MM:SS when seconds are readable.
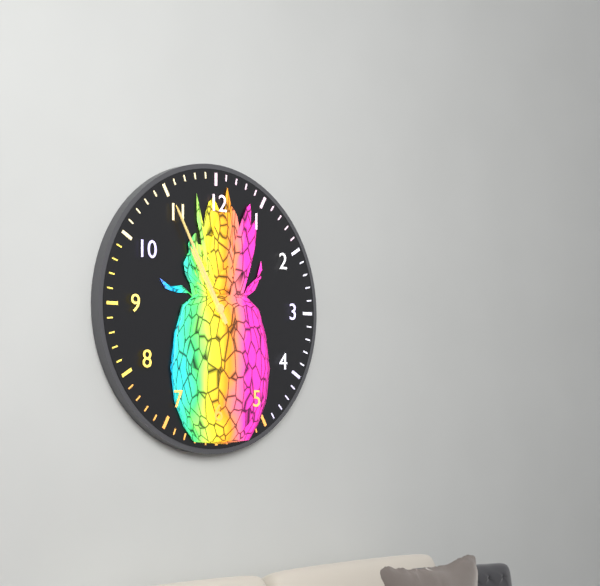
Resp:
**10:55**
